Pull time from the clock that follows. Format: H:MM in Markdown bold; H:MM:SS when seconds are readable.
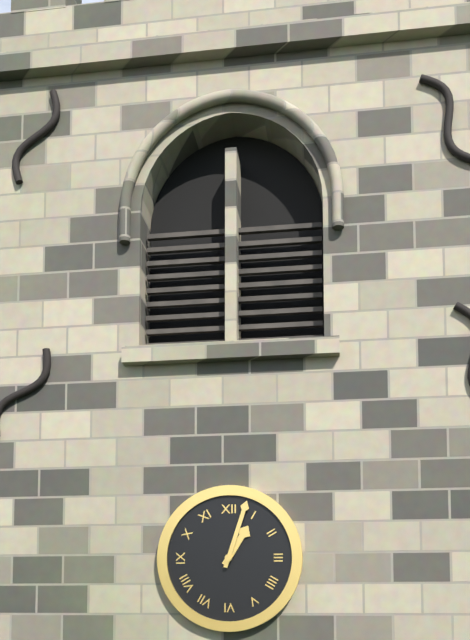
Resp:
**1:03**
